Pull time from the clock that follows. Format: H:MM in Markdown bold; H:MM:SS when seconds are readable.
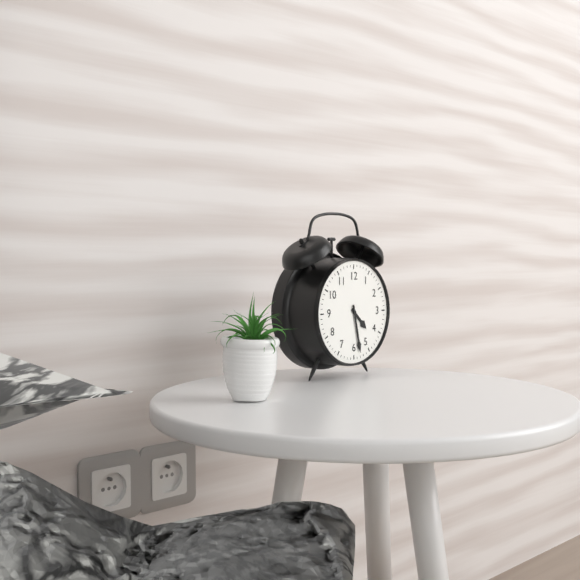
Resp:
**4:28**
